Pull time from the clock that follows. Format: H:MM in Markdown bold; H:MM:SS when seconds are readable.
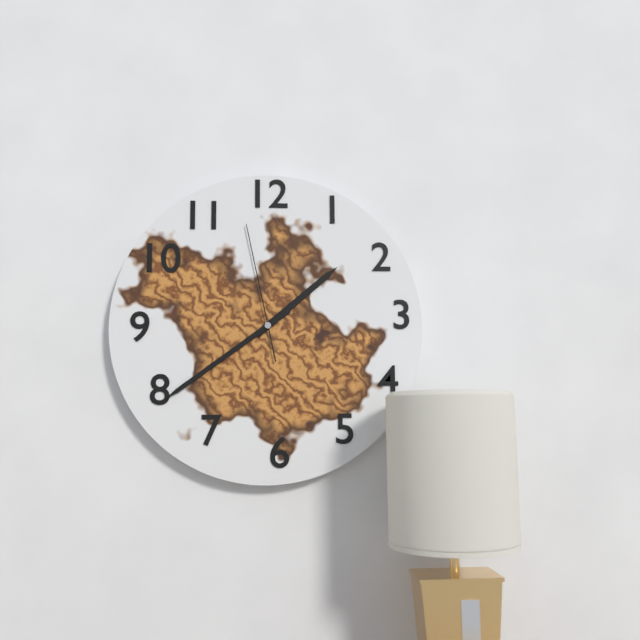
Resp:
**1:39:58**
